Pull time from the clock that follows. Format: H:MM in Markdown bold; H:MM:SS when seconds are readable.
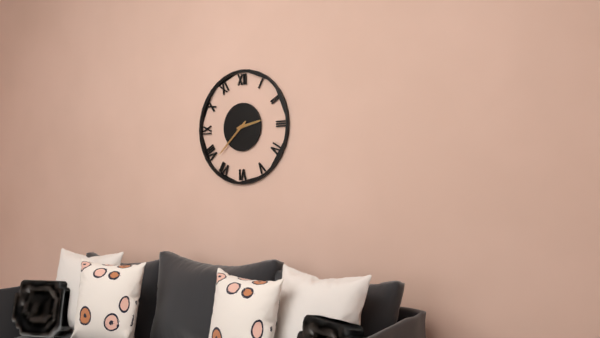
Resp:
**2:38**
